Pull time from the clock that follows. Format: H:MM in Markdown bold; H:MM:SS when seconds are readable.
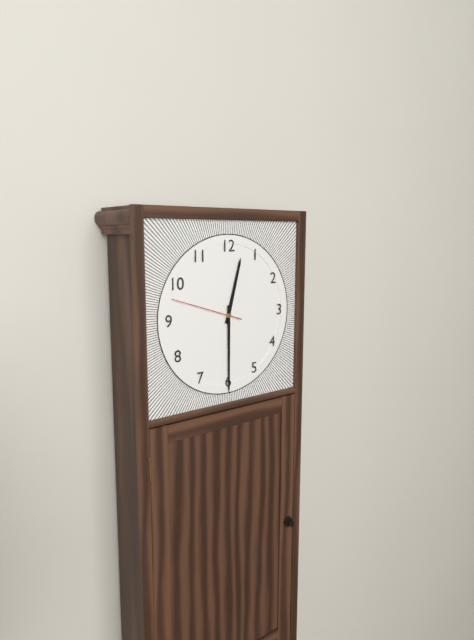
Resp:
**12:30:48**
